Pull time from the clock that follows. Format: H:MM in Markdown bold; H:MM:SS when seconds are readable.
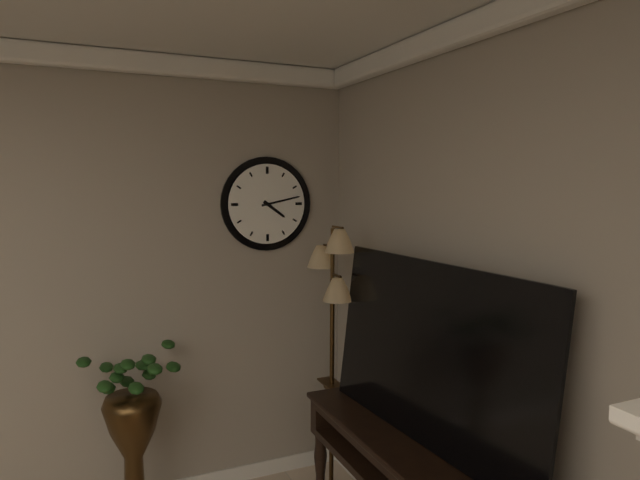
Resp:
**4:13**
